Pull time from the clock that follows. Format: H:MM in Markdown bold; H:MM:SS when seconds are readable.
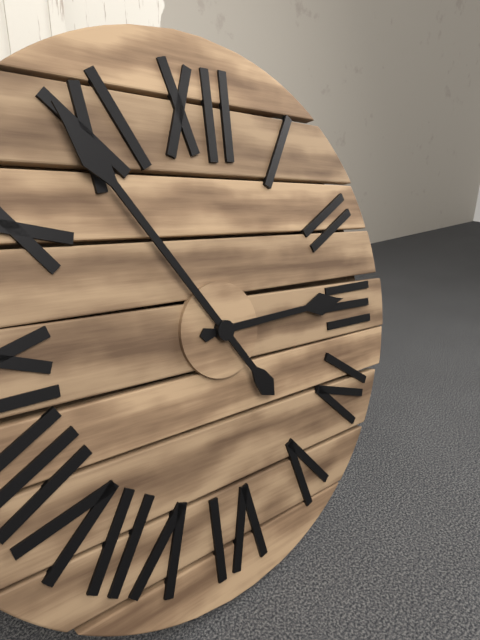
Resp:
**2:54**
